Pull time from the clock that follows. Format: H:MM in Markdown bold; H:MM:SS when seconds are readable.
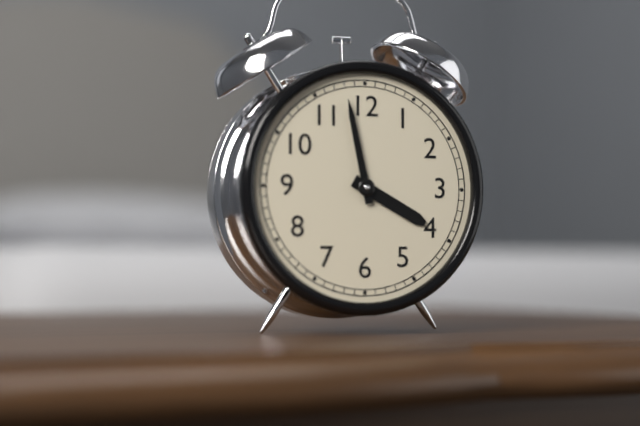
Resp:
**3:58**
